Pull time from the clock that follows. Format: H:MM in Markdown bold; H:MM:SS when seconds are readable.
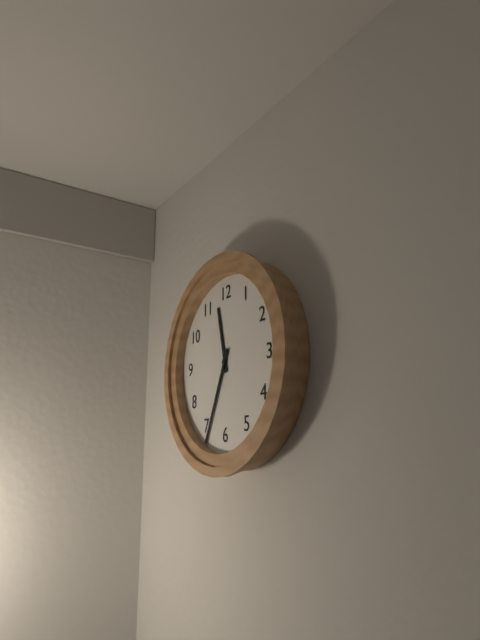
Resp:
**11:34**
